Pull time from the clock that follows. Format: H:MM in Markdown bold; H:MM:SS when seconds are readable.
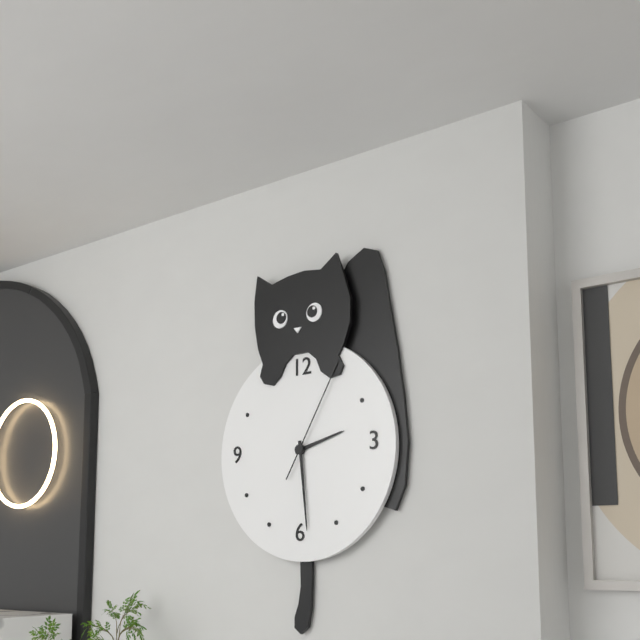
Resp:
**2:29:05**
